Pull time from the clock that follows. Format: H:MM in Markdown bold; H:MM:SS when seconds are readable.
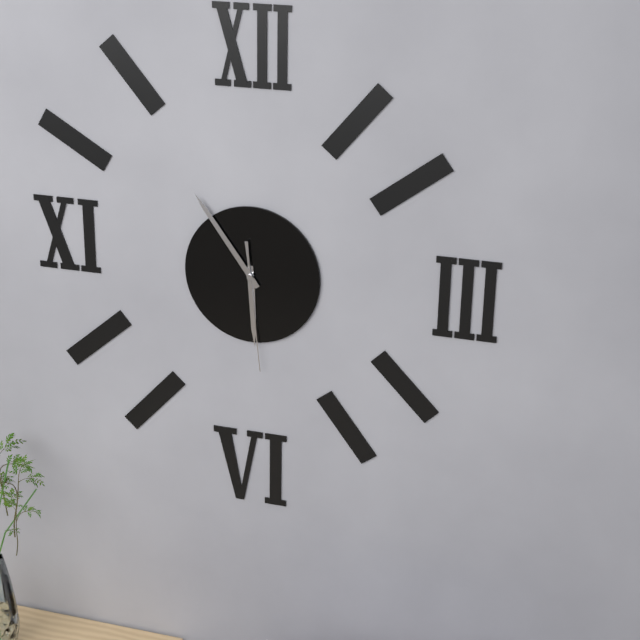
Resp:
**5:54:29**
